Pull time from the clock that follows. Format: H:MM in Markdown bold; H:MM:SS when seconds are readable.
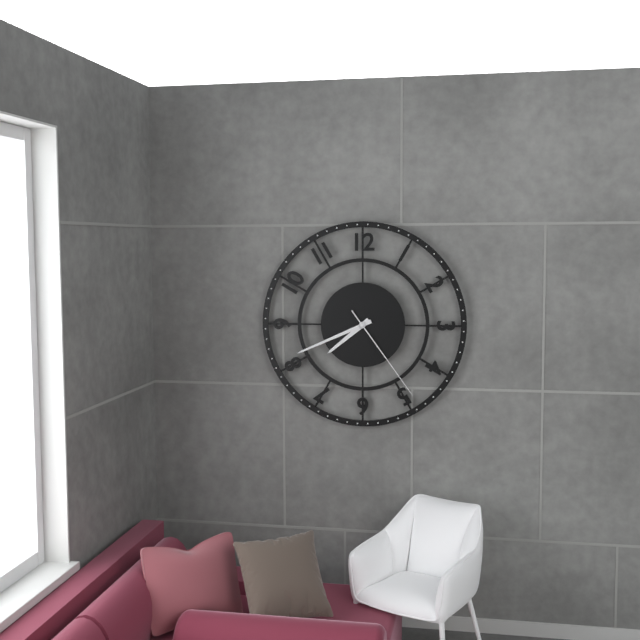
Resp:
**7:41:24**
